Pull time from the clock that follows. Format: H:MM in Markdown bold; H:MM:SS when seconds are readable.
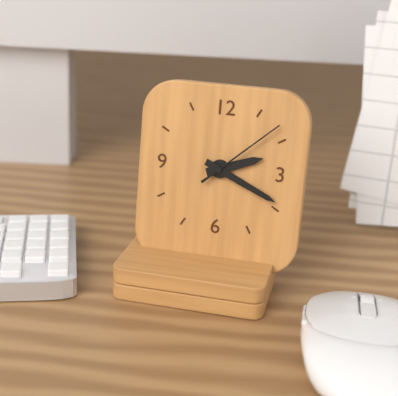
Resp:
**2:19:08**
